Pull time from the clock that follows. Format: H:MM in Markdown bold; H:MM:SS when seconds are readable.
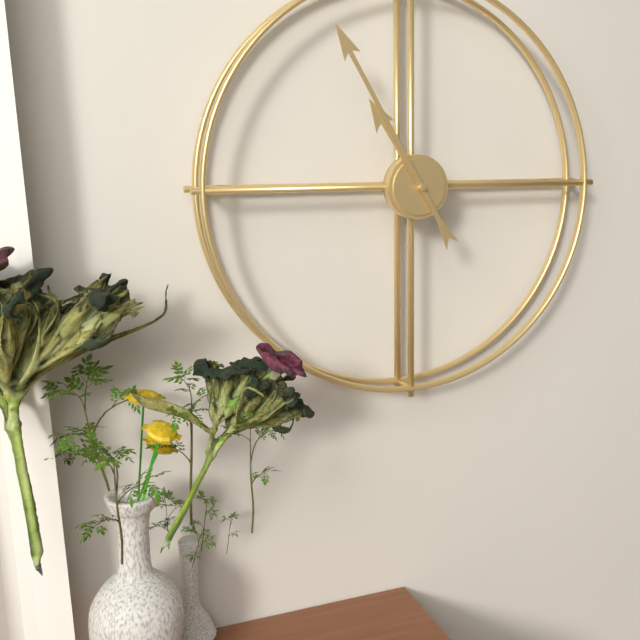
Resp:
**10:55**
